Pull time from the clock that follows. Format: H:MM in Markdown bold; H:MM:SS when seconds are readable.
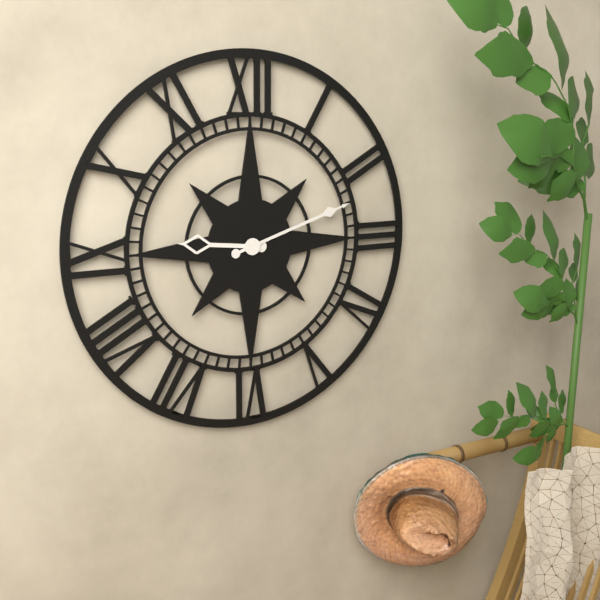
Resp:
**9:12**
